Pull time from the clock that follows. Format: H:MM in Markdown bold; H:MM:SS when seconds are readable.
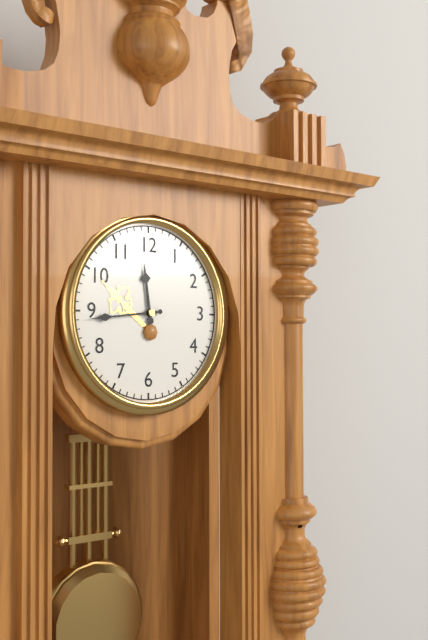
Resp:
**11:44**
